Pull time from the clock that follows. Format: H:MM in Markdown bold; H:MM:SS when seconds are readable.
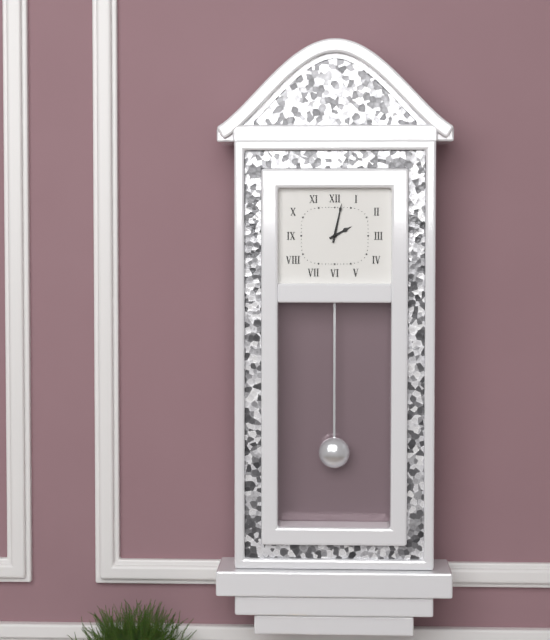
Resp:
**2:02**
